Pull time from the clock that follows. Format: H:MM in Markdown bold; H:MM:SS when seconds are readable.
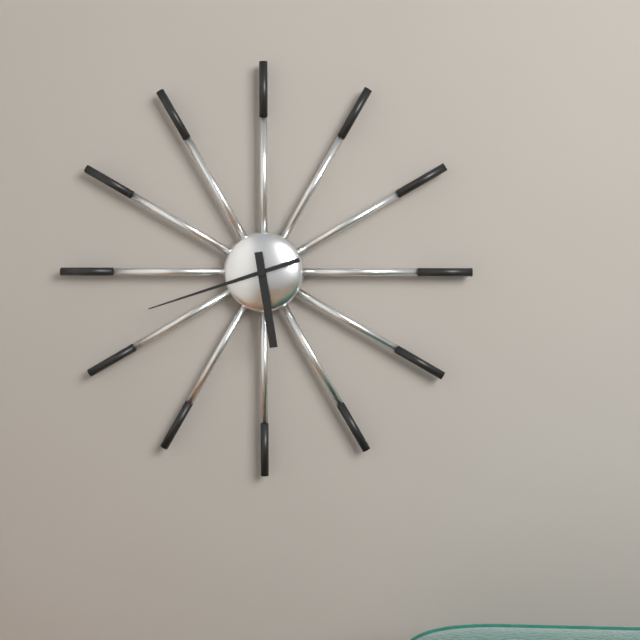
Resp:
**5:42**
